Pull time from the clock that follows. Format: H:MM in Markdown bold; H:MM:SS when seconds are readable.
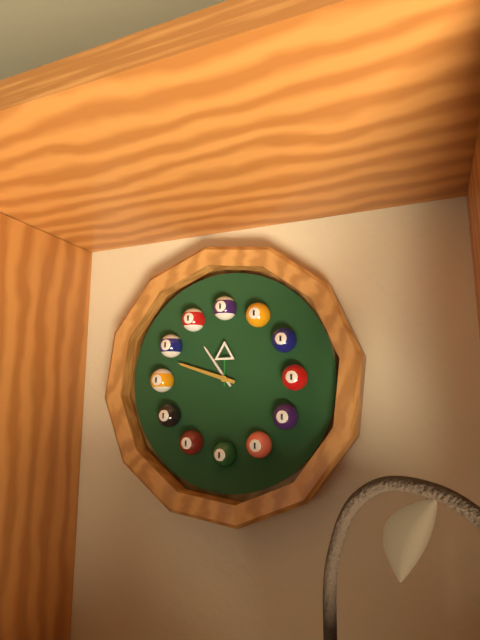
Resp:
**10:48**
